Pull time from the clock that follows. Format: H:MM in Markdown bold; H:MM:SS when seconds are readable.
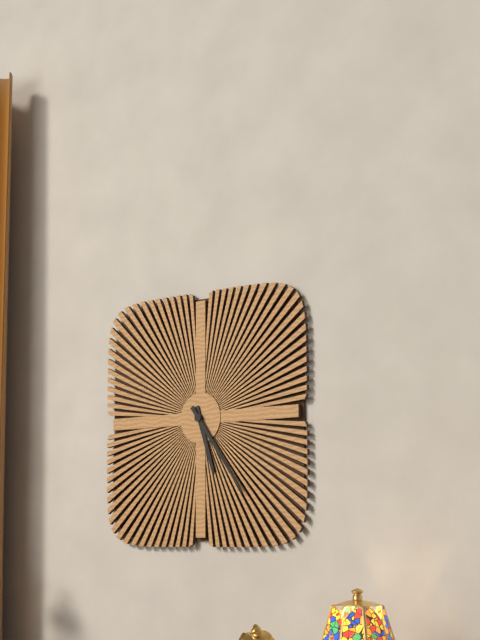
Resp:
**5:24**
